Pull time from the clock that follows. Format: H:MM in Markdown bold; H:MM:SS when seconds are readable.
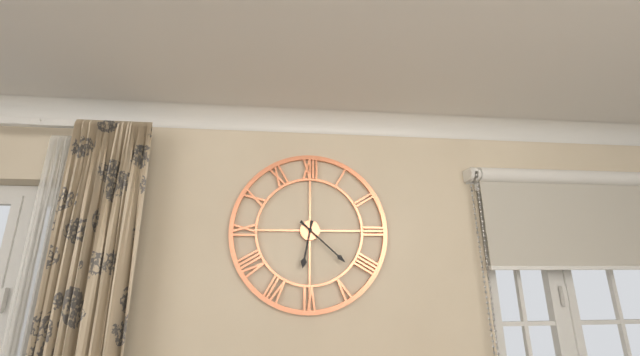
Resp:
**6:22**
